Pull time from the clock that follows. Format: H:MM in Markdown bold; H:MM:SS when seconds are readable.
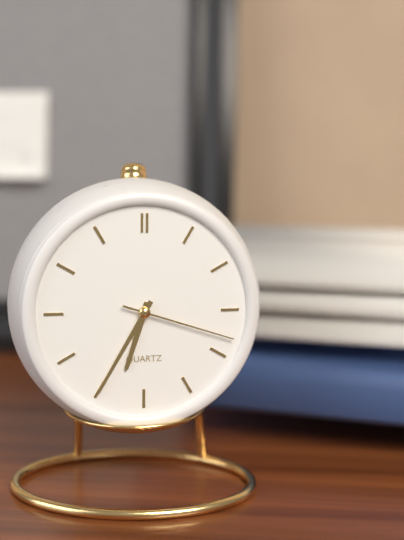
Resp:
**6:35:18**
